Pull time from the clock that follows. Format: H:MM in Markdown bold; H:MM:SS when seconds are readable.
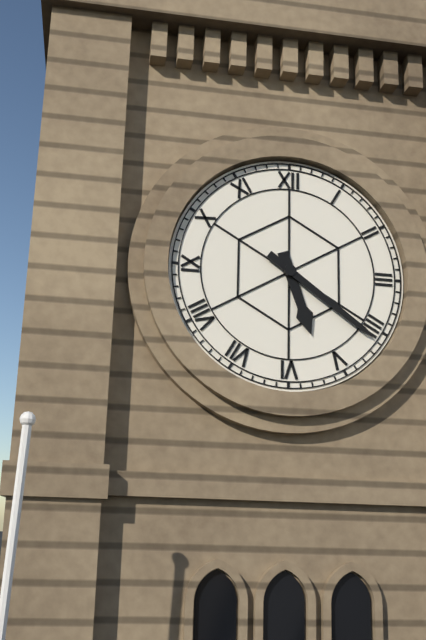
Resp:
**5:21**
